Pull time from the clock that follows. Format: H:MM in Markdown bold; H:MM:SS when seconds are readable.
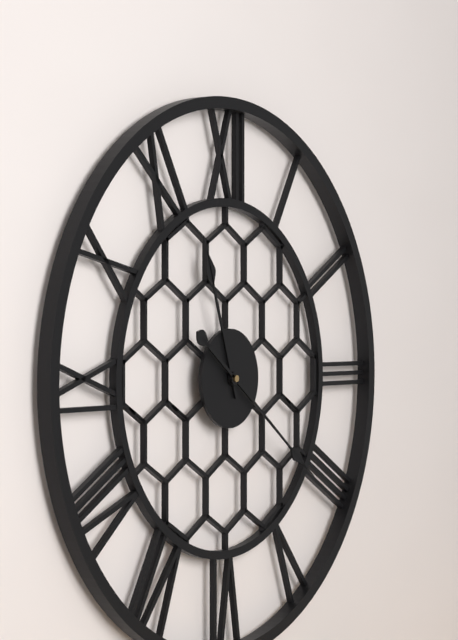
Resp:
**11:21**
